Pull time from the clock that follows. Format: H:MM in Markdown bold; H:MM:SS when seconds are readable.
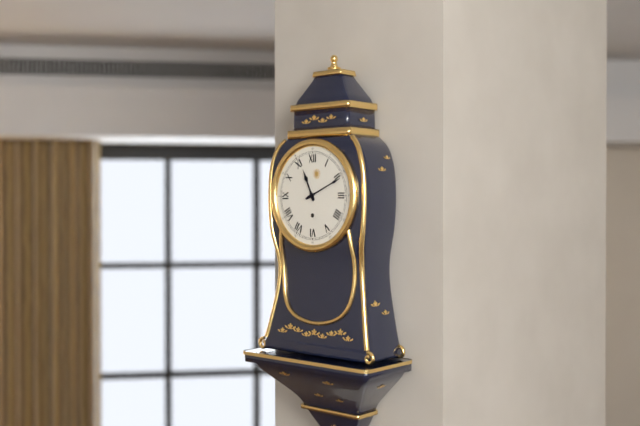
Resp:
**11:11**
